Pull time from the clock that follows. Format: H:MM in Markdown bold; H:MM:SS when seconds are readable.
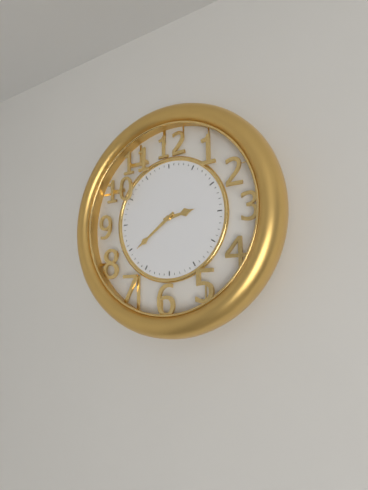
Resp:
**2:39**
